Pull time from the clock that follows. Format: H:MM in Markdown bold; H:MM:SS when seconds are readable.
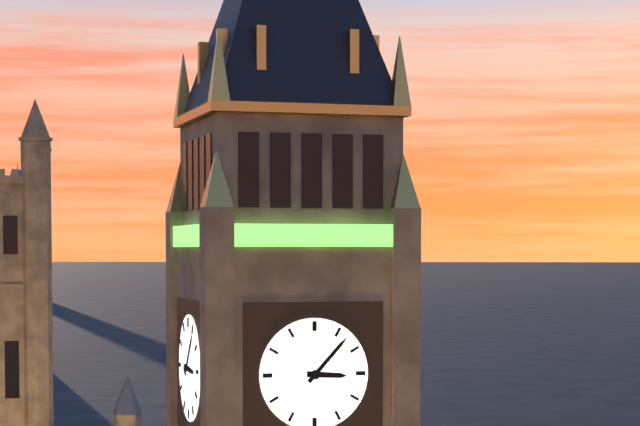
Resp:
**3:07**
